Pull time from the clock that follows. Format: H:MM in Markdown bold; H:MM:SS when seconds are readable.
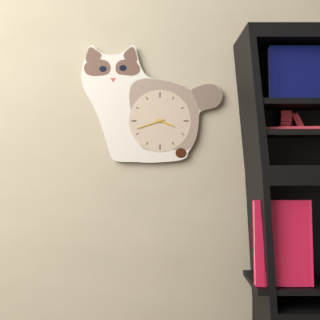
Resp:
**3:42**
